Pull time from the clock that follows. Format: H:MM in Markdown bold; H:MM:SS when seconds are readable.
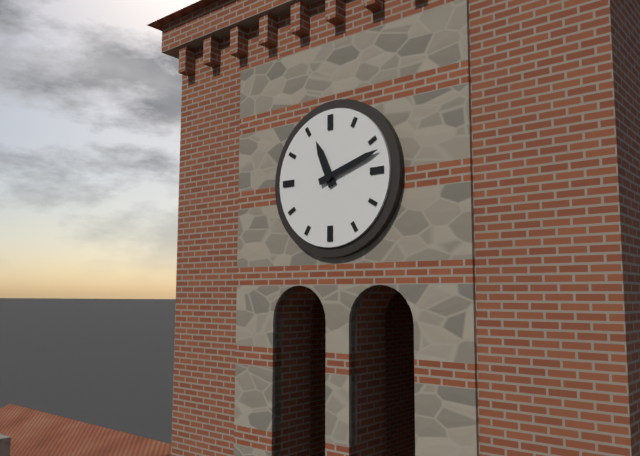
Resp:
**11:12**
